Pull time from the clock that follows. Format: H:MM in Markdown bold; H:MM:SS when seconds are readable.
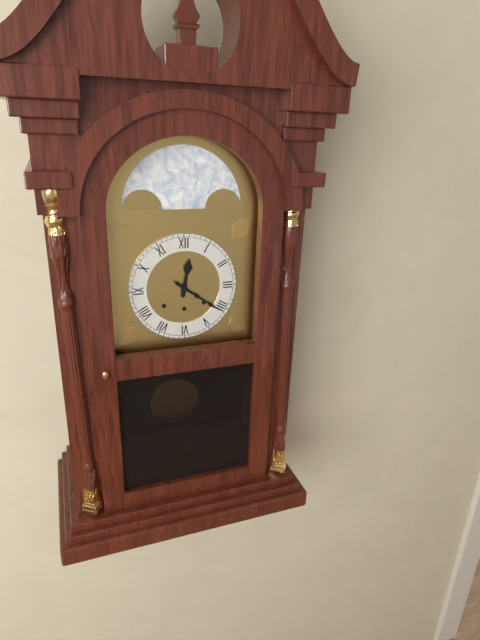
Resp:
**12:21**
